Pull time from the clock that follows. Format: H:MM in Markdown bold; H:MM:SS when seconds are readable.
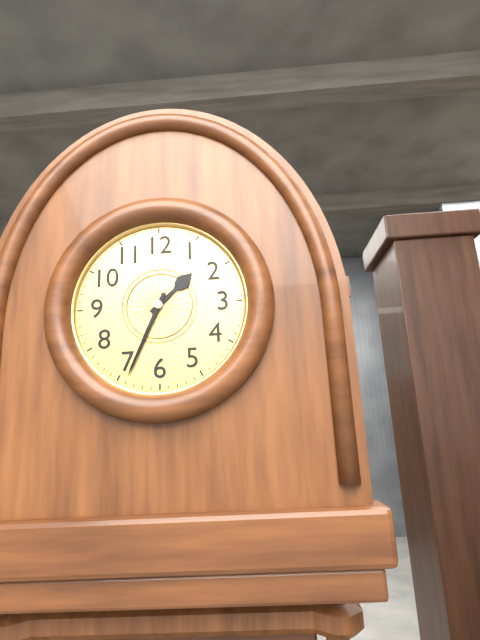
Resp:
**1:34**
